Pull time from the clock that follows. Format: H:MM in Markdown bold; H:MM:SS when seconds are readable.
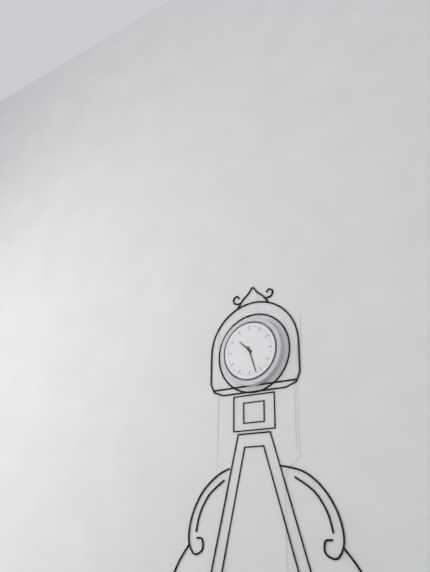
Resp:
**10:27**
